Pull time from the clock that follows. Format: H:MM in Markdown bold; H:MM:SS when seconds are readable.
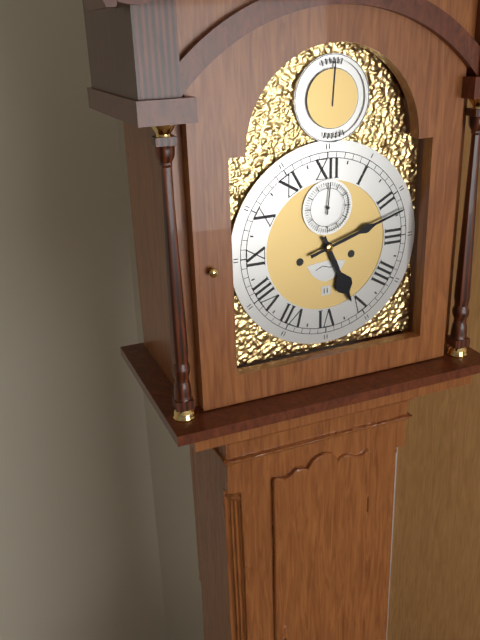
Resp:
**5:12**
